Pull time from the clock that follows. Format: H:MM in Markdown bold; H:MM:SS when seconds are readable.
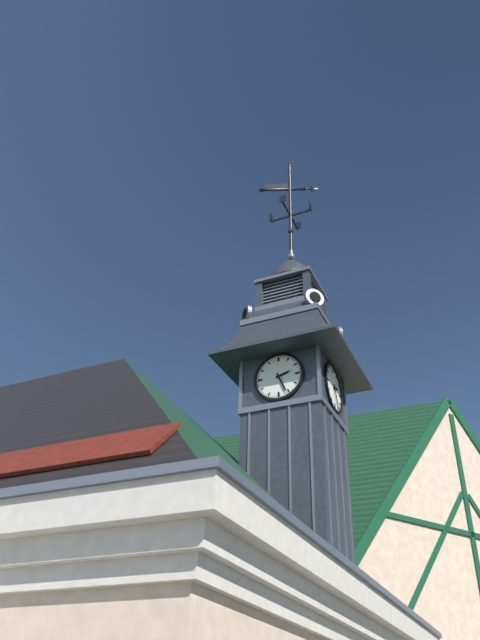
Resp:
**2:26**
